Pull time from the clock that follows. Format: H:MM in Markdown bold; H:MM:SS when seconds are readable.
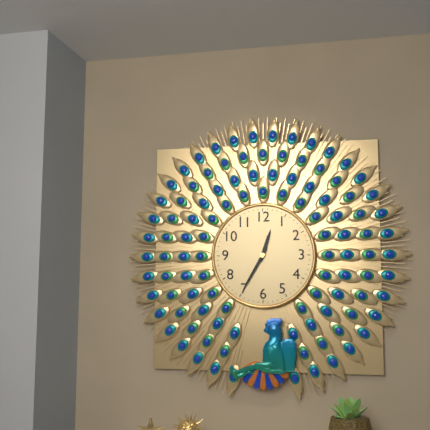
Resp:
**12:35**
